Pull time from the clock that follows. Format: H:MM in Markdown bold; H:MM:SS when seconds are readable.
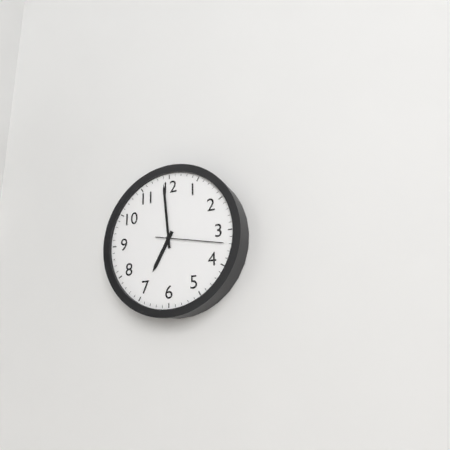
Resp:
**6:59:17**
